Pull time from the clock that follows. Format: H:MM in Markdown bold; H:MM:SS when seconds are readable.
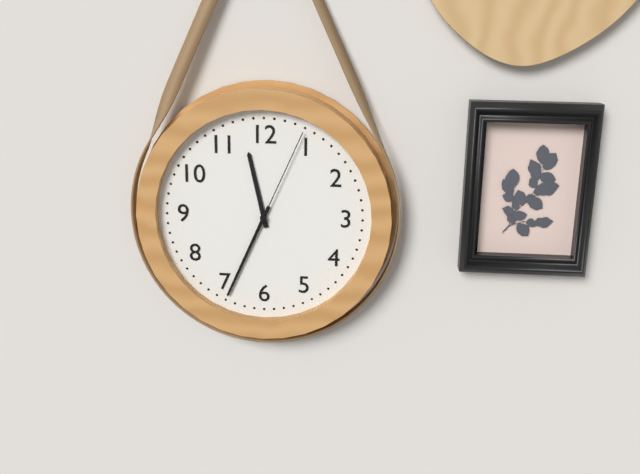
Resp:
**11:34:04**
